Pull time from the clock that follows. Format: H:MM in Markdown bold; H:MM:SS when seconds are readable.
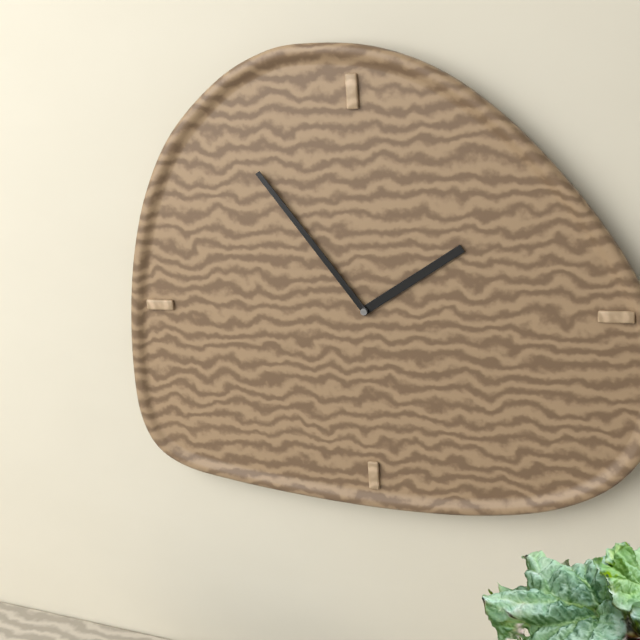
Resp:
**1:54**
